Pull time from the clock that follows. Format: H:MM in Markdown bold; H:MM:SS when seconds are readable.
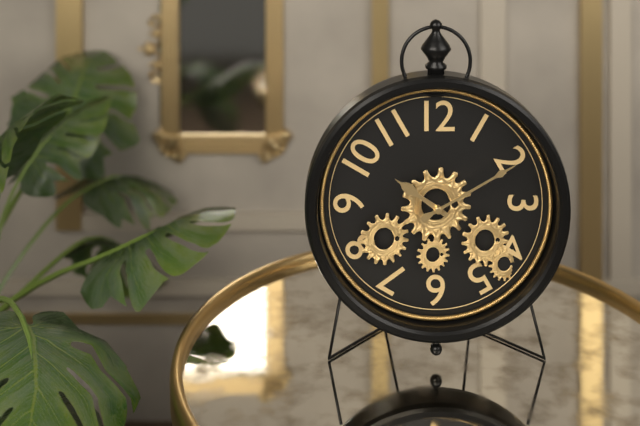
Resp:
**10:10**
